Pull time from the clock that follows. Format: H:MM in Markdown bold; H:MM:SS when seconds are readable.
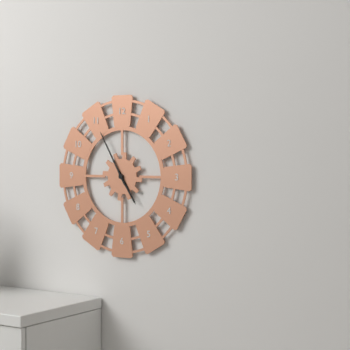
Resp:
**4:55**
